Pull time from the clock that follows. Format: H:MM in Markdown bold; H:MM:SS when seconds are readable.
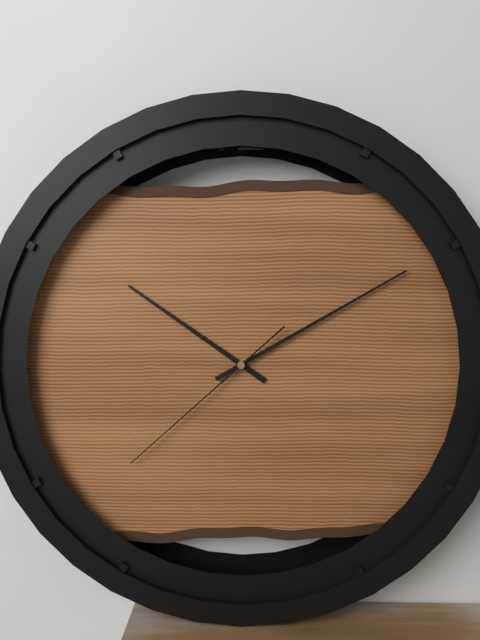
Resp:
**10:10:38**
